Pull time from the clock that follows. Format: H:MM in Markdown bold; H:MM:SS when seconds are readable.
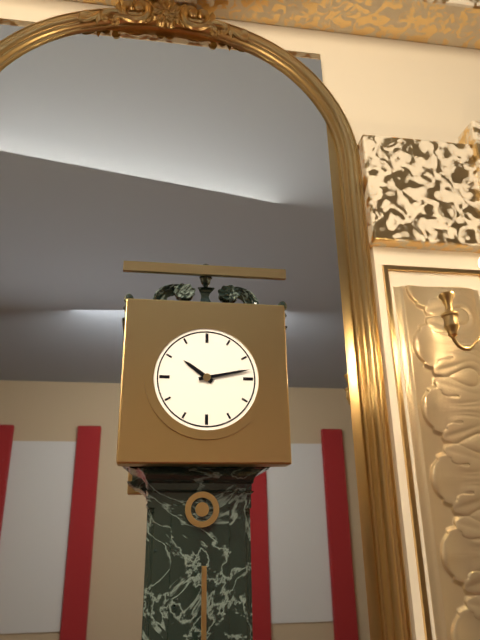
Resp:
**10:13**
